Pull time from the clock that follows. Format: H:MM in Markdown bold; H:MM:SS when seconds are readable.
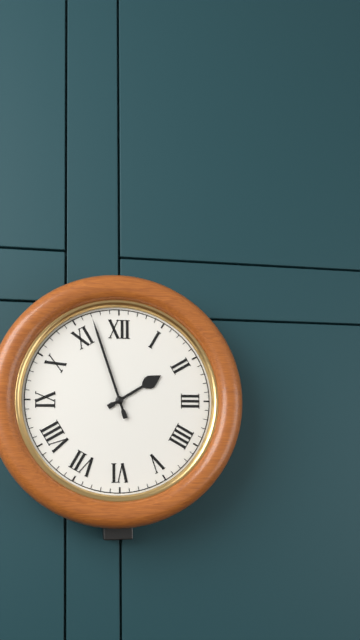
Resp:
**1:57**
